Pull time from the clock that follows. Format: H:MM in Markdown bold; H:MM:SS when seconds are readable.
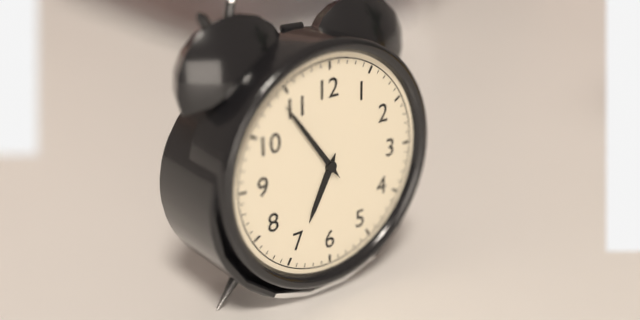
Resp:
**6:54**
